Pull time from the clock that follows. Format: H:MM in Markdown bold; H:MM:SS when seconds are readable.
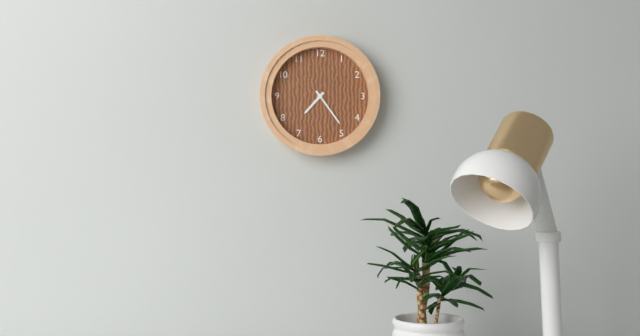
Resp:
**7:24**
